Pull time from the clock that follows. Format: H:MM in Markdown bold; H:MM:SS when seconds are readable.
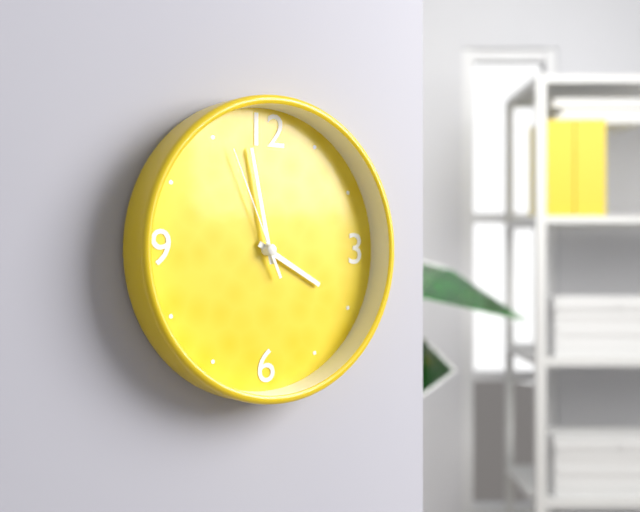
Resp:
**3:58:56**
